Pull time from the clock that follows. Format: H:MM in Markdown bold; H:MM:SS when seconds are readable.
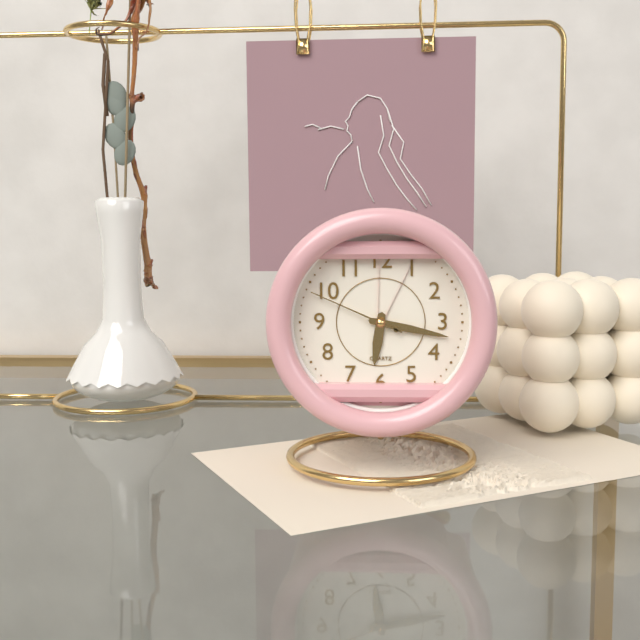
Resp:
**6:17:49**
